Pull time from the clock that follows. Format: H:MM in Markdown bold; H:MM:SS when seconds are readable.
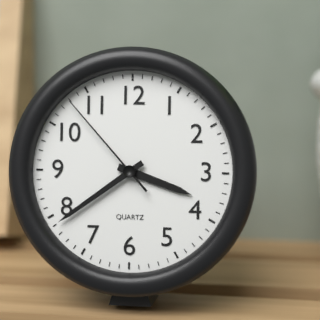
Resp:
**3:39:53**
